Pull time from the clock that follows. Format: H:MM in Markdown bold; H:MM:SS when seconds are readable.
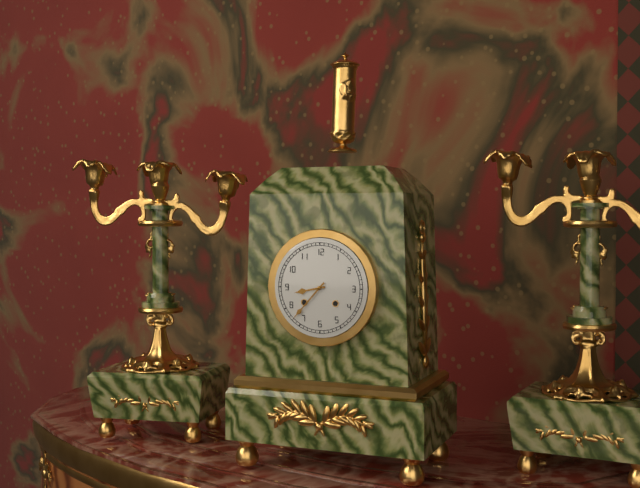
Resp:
**8:37**
